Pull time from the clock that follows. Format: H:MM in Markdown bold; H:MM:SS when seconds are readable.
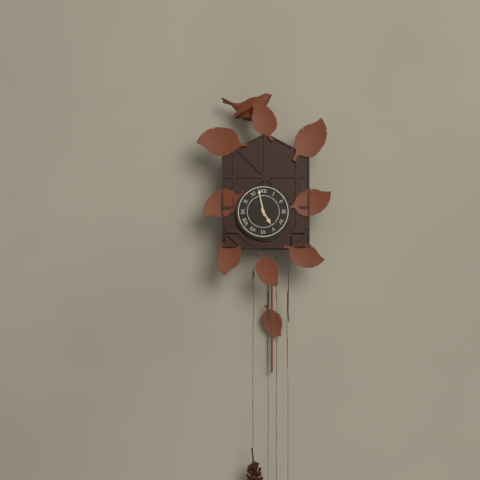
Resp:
**4:58**
